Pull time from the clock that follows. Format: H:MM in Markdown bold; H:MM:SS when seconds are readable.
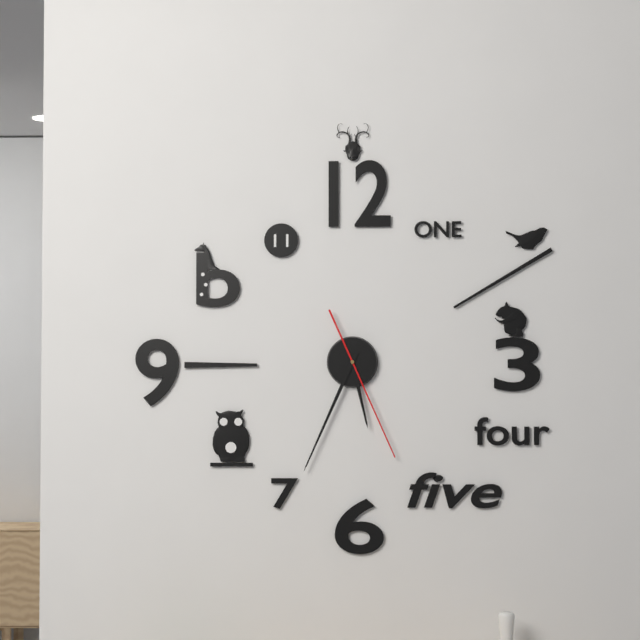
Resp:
**5:34:26**
